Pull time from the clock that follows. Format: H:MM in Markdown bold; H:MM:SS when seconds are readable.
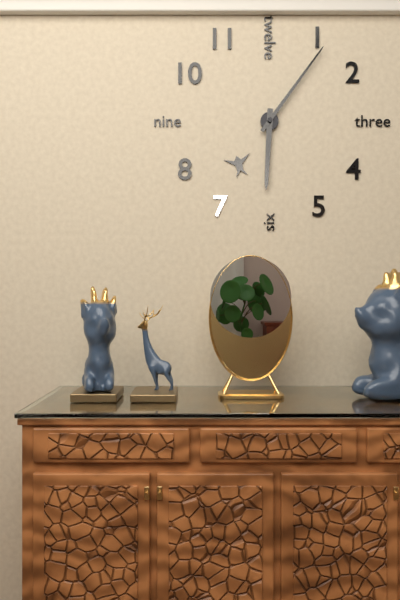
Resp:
**6:06**
